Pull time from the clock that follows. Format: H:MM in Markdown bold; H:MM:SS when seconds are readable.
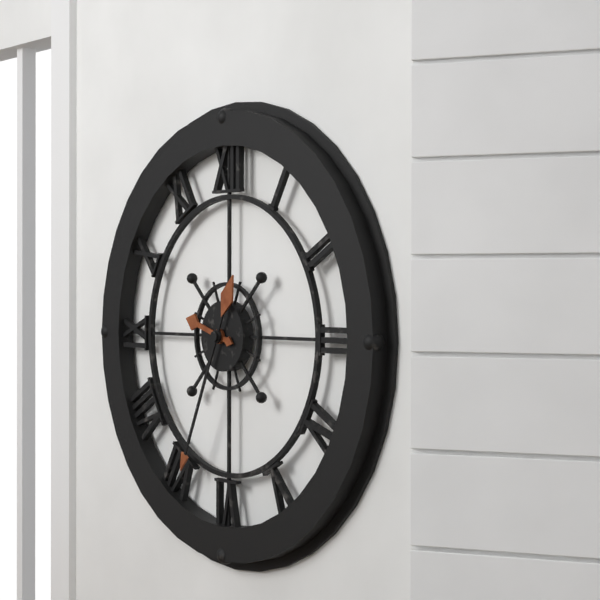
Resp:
**9:34**
